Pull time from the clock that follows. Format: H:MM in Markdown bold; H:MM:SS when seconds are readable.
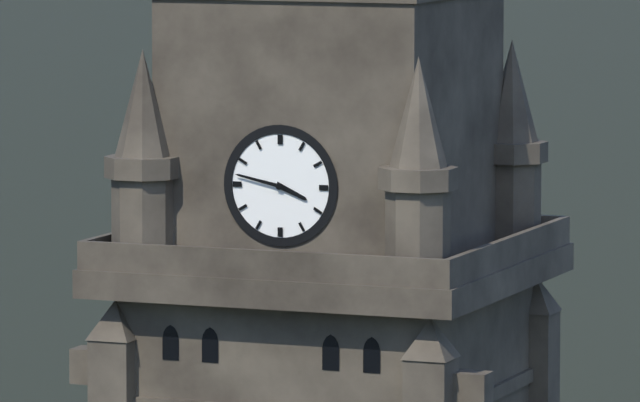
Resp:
**3:47**
